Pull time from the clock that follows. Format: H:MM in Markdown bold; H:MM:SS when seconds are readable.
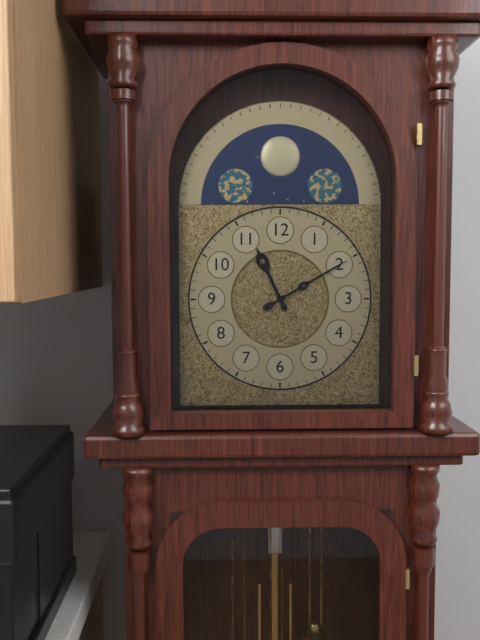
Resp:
**11:10**
